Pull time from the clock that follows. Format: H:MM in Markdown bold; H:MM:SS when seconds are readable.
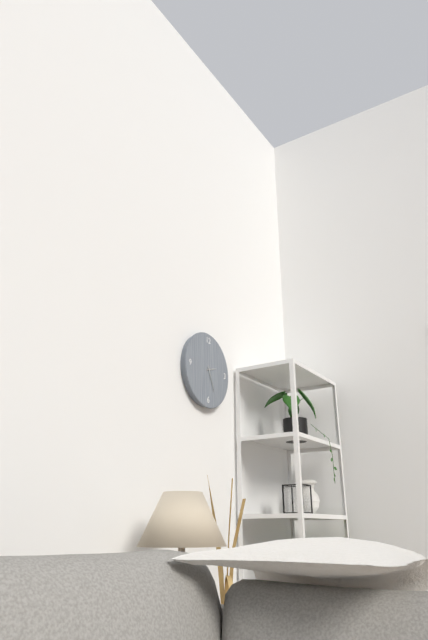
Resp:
**2:26**
